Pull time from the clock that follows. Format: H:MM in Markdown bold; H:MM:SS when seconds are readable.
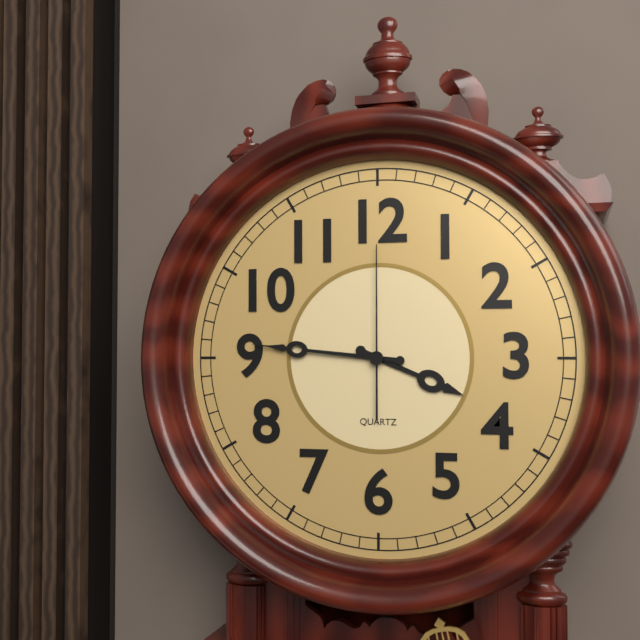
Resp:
**3:46:00**
